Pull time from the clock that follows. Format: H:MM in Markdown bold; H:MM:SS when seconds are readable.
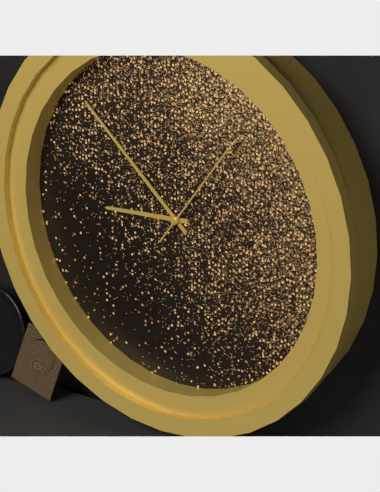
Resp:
**8:52:06**
